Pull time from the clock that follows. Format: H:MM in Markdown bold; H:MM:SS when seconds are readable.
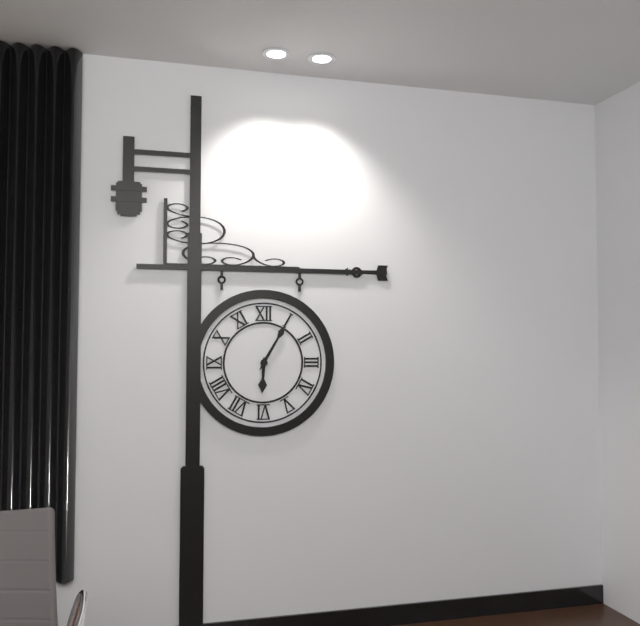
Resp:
**6:05**
